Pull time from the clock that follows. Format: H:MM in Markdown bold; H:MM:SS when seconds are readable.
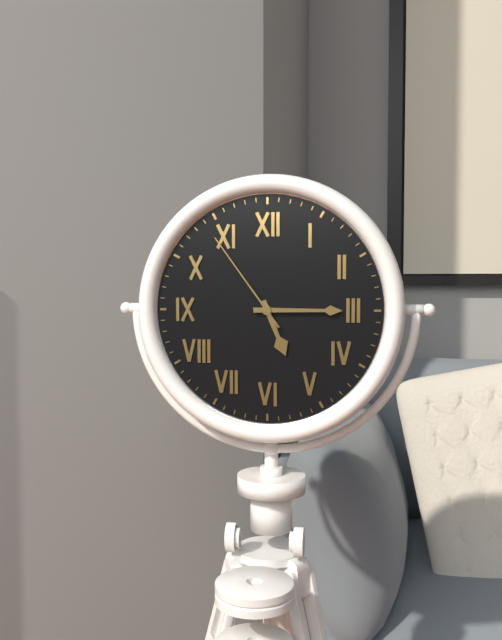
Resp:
**5:15:54**
